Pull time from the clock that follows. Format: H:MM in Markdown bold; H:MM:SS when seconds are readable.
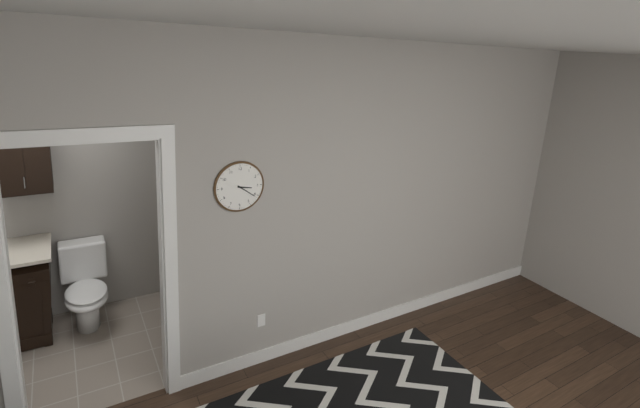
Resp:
**3:21**
